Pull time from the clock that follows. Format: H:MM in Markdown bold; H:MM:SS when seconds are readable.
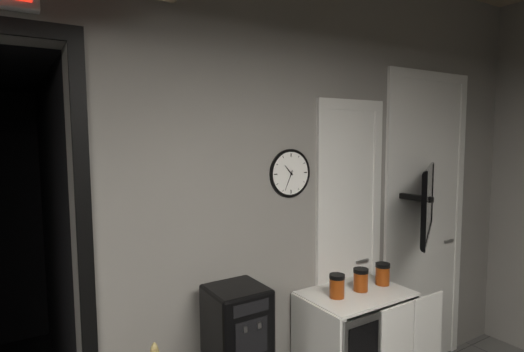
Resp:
**10:34**
